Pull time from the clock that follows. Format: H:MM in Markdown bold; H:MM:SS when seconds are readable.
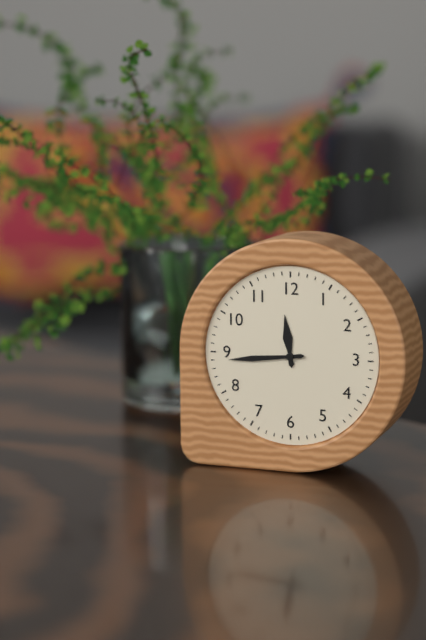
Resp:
**11:44**
